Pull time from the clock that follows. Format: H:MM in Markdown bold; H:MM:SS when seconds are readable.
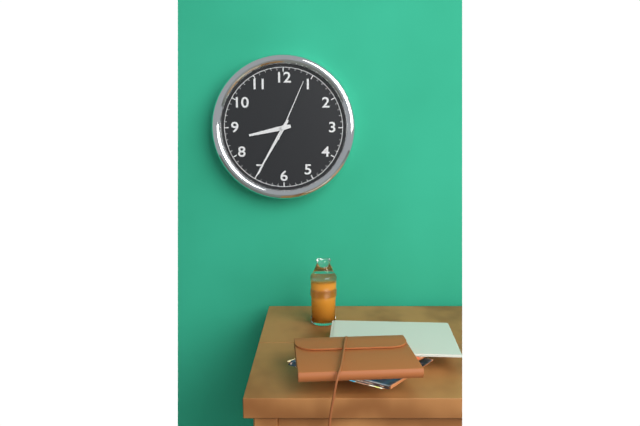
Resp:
**8:35:04**
